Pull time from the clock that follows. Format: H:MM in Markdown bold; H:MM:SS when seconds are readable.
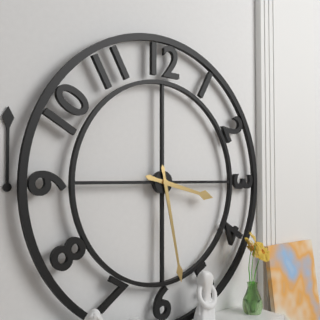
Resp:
**3:28**
